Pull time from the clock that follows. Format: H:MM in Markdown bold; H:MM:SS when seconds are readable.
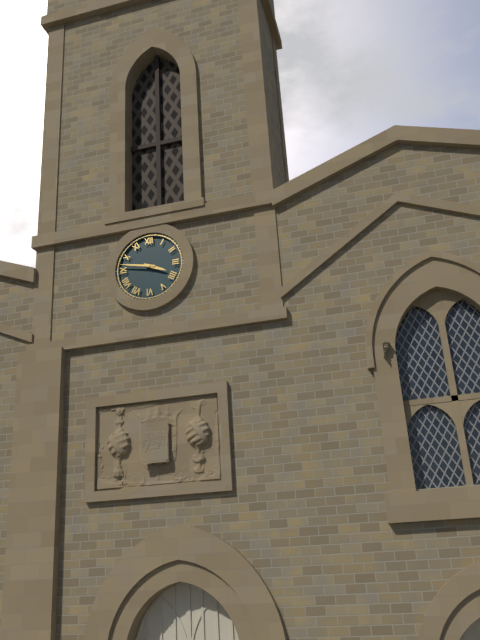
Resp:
**3:47**
